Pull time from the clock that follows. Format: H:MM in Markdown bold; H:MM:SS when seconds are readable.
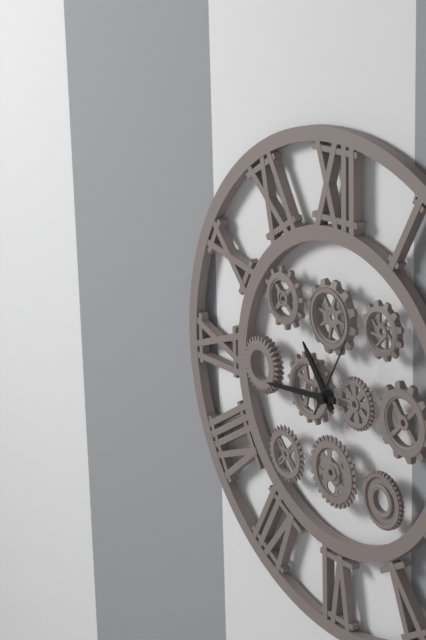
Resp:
**10:44:05**
